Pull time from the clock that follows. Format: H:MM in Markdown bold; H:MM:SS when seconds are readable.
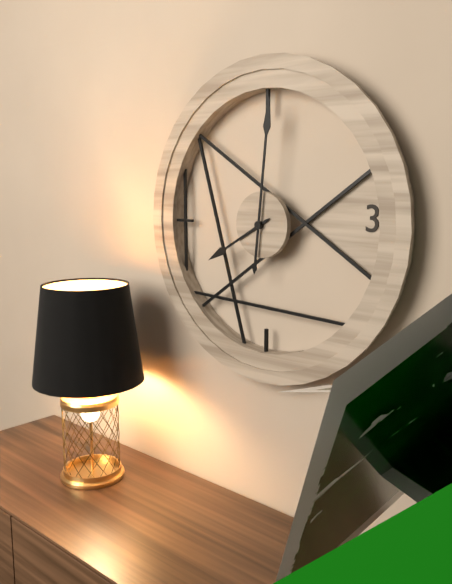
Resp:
**8:01**
